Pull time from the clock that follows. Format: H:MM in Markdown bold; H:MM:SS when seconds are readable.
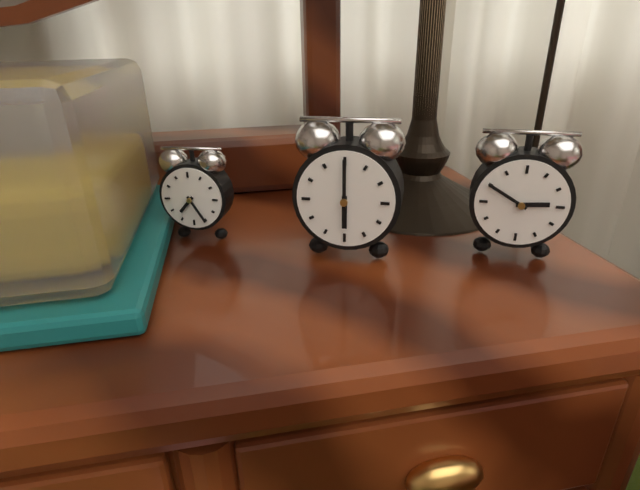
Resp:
**6:00**
